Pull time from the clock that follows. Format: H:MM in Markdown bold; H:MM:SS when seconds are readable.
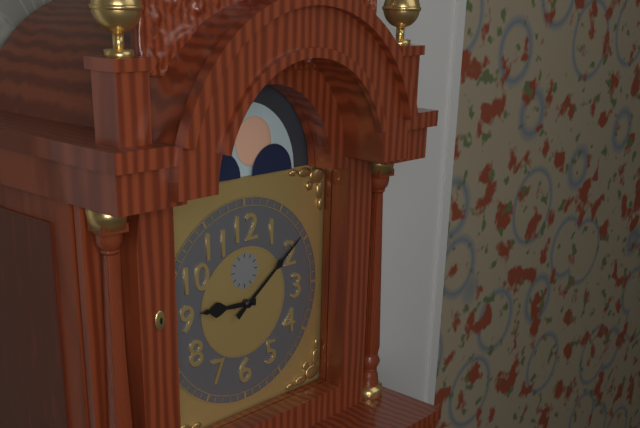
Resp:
**9:09**
